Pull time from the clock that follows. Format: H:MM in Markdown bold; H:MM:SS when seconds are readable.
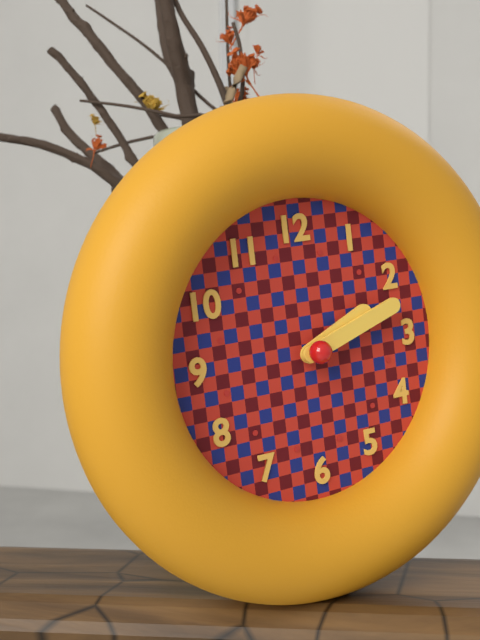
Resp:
**2:12**
